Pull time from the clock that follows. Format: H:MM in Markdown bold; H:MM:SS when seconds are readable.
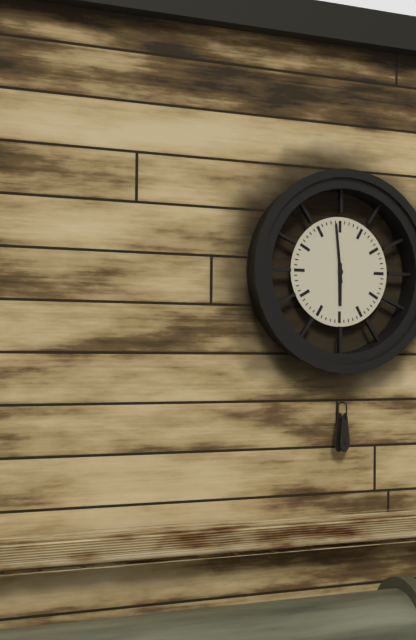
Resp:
**5:59**
